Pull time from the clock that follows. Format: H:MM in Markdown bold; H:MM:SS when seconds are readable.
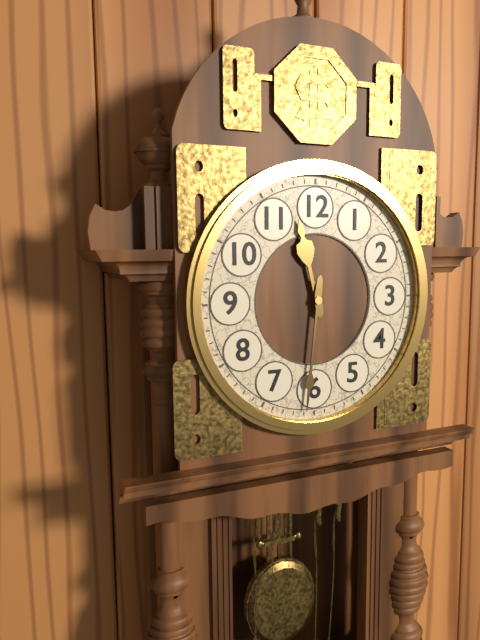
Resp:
**11:31**
